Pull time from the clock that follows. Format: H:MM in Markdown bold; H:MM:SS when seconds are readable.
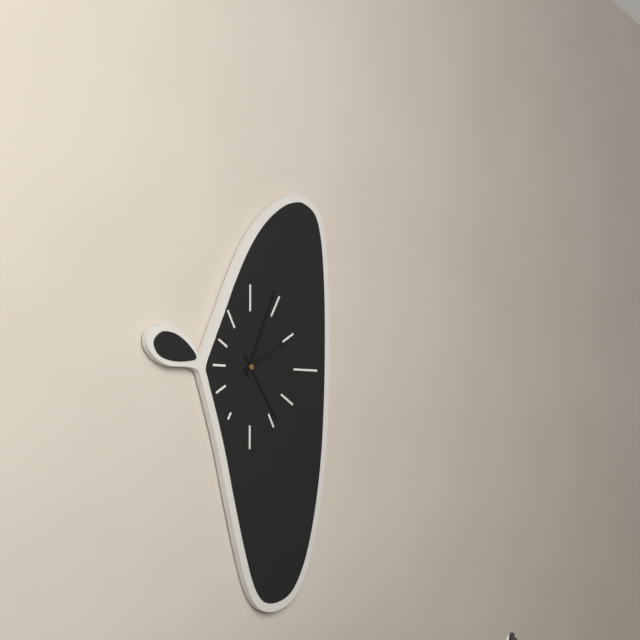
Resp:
**2:04:24**
